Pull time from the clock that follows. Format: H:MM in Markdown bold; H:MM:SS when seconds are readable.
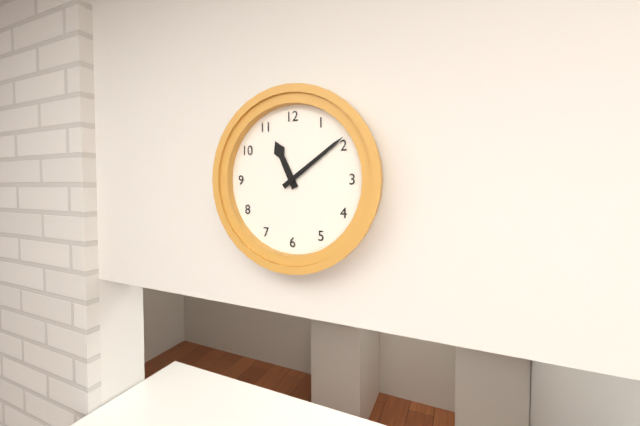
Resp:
**11:09**
